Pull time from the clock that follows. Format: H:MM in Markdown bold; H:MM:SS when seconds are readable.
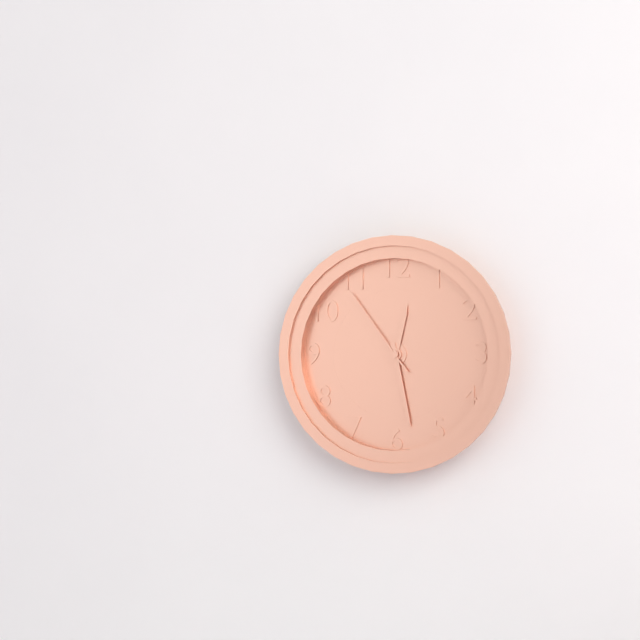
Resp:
**12:28:54**
